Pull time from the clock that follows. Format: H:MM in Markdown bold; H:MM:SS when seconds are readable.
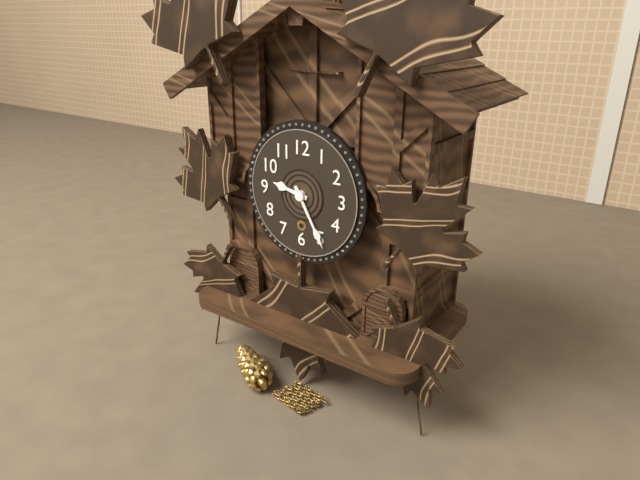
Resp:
**9:25**
